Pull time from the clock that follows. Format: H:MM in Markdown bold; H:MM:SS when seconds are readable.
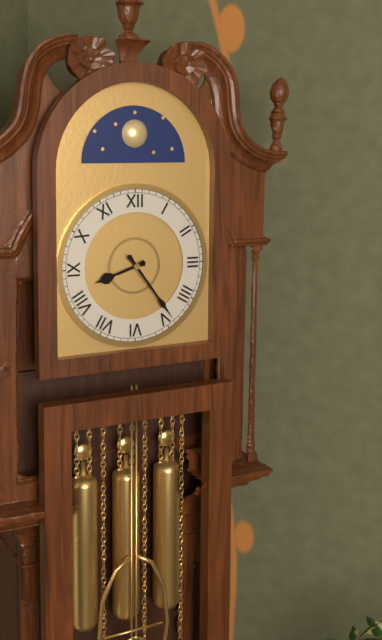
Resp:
**8:24**
